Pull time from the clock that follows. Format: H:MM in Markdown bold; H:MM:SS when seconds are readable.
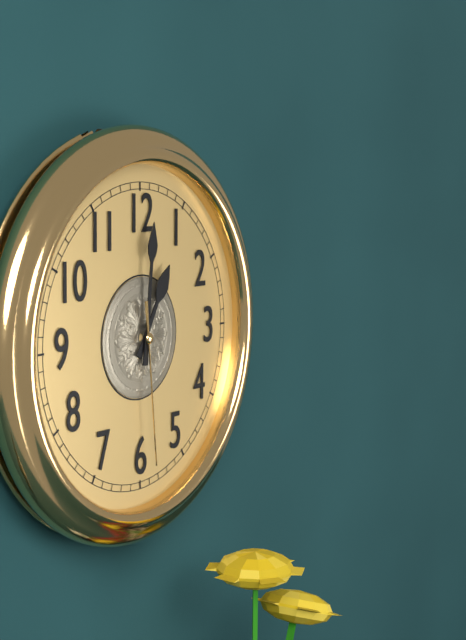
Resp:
**1:01:29**
